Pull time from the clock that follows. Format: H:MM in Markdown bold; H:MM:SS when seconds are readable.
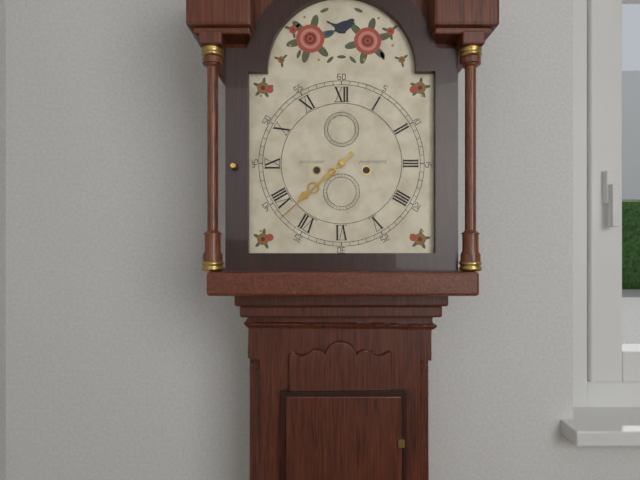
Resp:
**7:38**
